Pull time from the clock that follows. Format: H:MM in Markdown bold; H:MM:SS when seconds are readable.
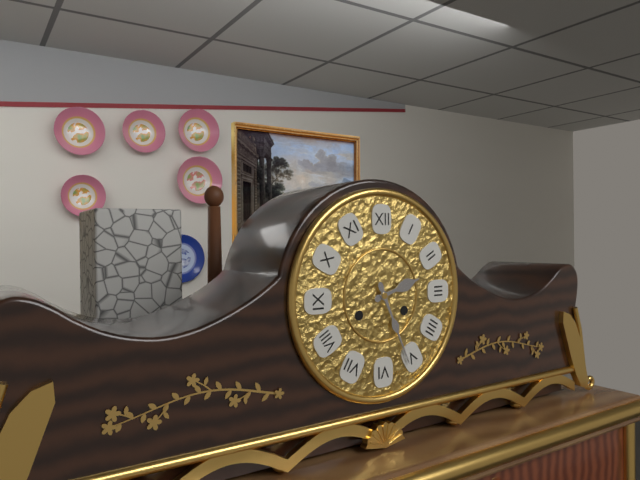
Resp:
**2:26**
